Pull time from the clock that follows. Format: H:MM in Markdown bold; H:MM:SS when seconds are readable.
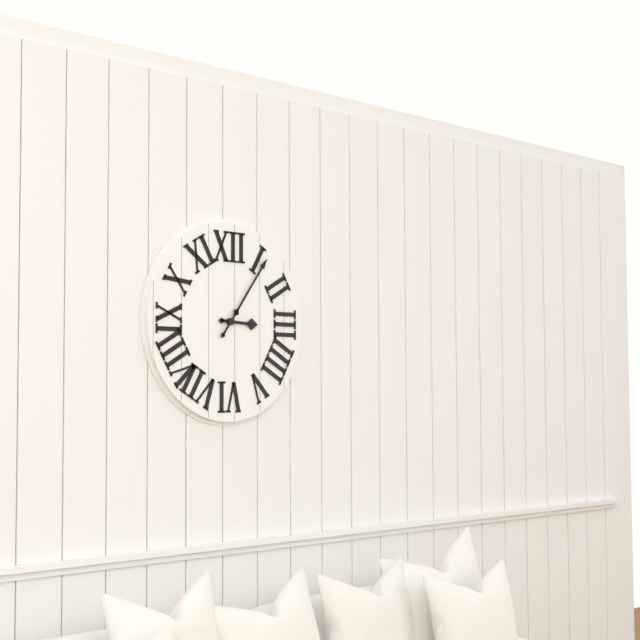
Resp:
**3:06**
